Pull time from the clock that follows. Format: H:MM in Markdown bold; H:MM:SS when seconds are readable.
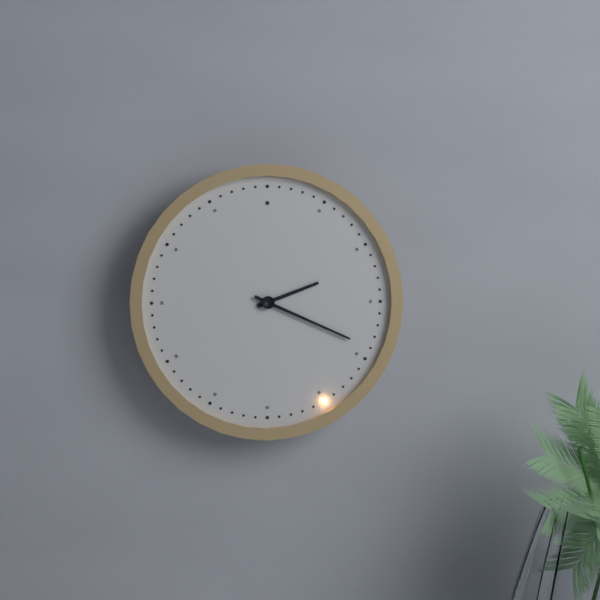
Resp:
**2:19**
